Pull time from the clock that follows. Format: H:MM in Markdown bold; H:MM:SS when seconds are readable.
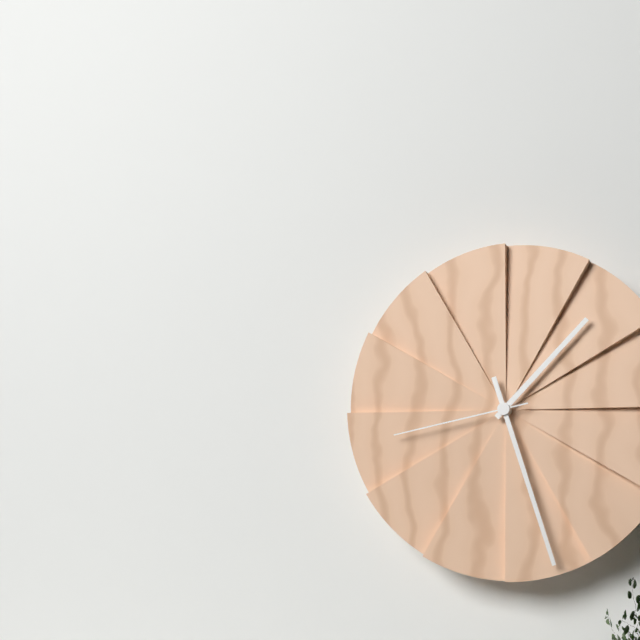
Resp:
**1:27:43**
